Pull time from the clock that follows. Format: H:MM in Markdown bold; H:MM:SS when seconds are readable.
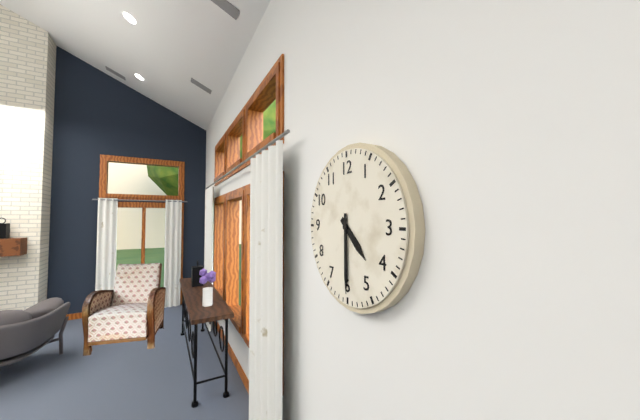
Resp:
**4:30**
